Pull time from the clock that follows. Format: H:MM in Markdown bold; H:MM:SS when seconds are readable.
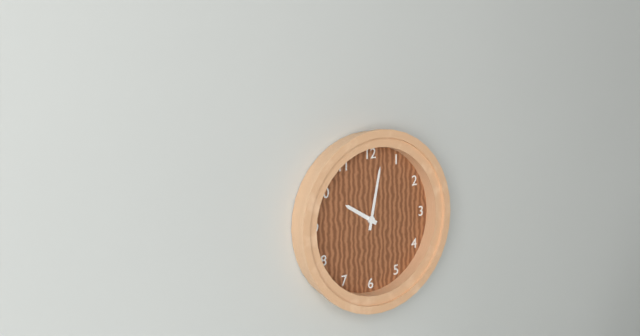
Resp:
**10:02**
